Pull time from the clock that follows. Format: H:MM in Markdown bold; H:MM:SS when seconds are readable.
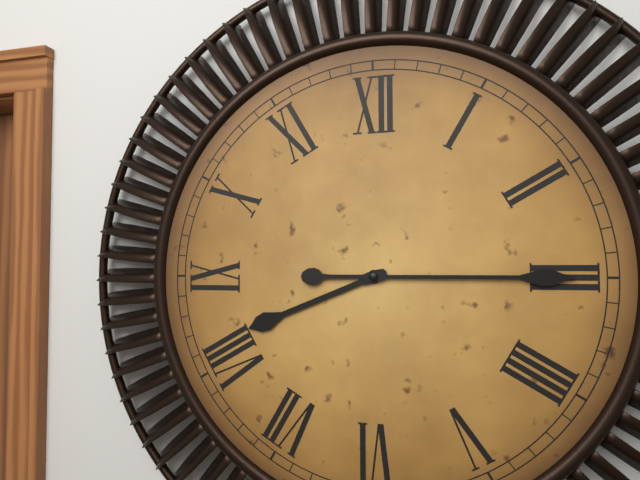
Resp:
**8:15**
